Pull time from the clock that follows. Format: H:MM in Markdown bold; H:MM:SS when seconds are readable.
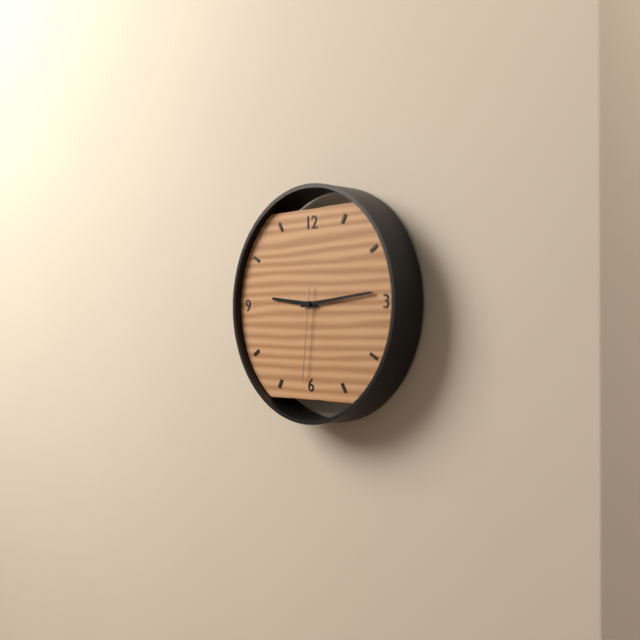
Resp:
**9:14:31**
